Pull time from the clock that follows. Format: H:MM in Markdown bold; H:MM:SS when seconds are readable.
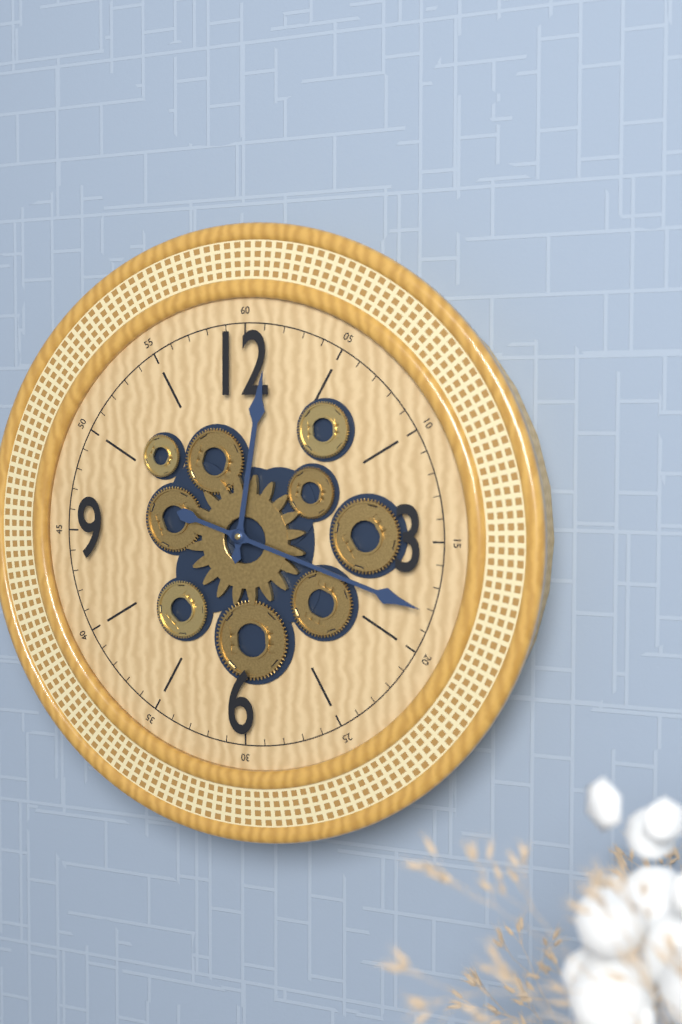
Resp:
**12:18**
